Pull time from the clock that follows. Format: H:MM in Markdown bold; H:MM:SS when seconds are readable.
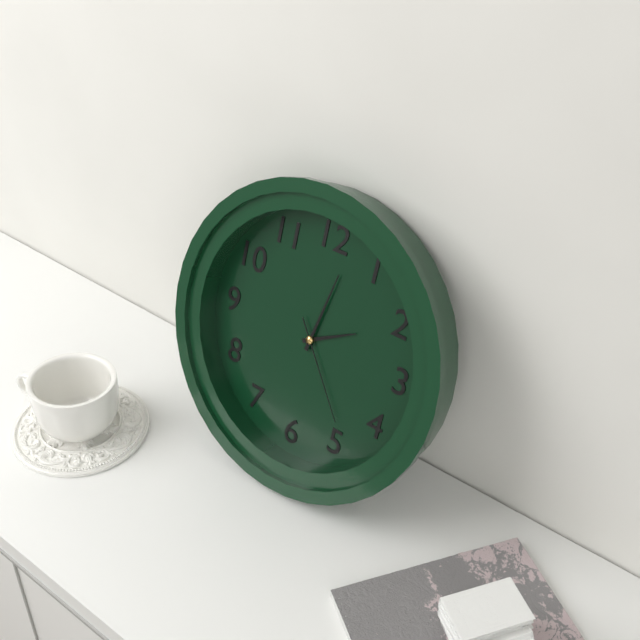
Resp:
**2:02:24**
